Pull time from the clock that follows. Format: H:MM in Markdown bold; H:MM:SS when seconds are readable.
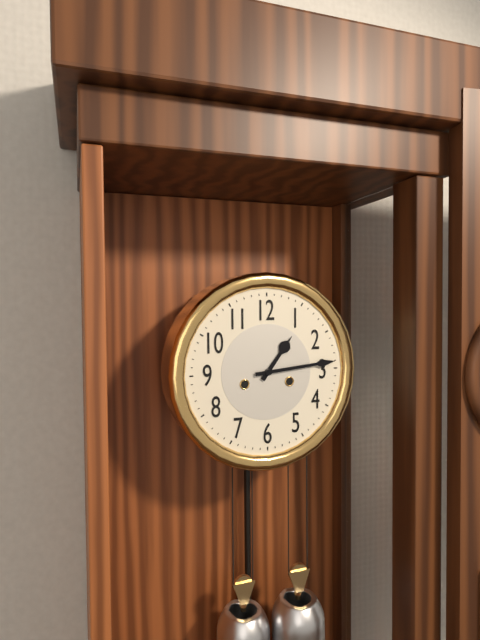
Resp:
**1:14**
